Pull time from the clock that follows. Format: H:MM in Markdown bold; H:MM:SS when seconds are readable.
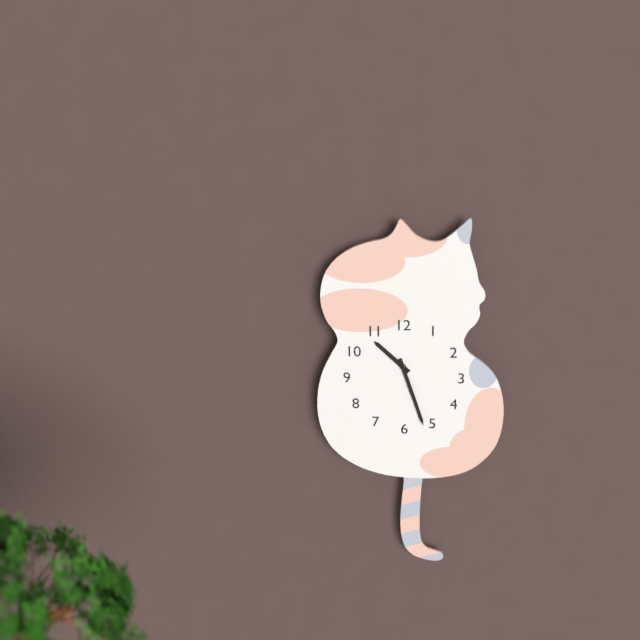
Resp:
**10:27**
